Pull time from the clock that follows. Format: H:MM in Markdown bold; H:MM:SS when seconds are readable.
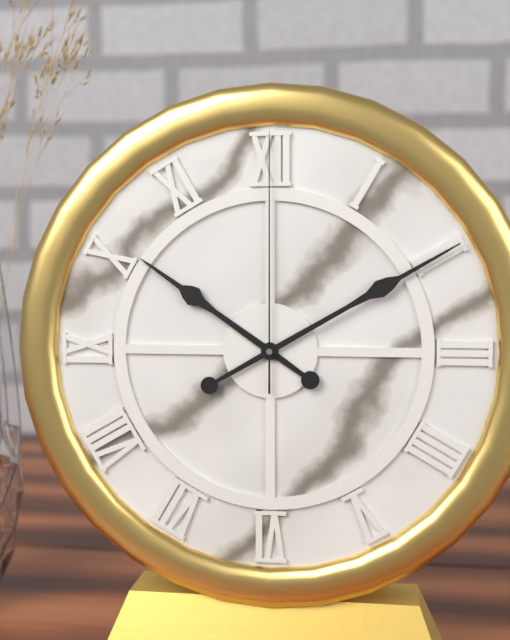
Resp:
**10:10:00**
